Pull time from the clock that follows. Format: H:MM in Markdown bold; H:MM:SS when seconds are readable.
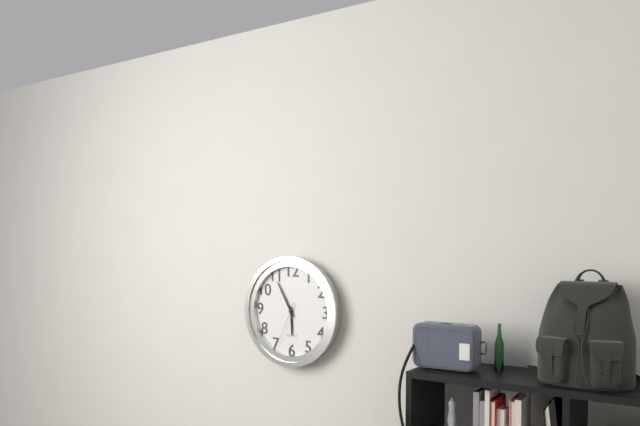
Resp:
**5:55**
